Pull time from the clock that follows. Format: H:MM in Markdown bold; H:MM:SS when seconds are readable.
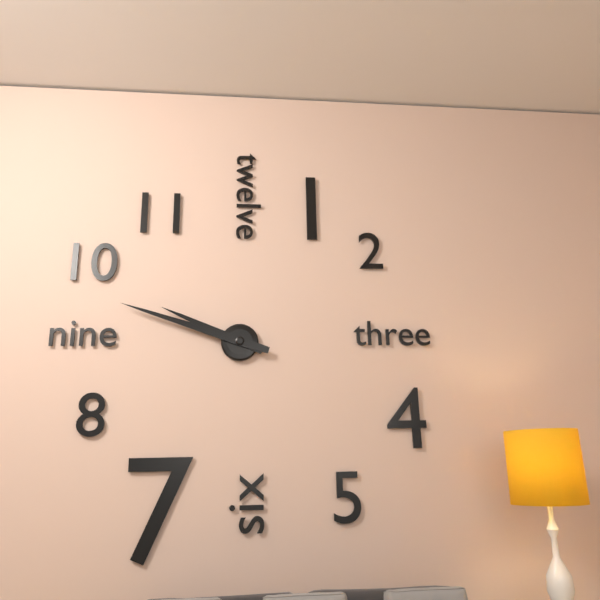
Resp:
**9:48**
